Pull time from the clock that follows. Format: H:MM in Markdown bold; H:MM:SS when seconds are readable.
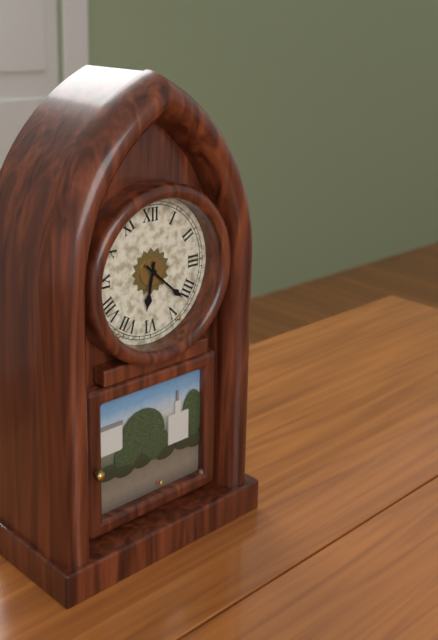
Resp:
**6:22**
